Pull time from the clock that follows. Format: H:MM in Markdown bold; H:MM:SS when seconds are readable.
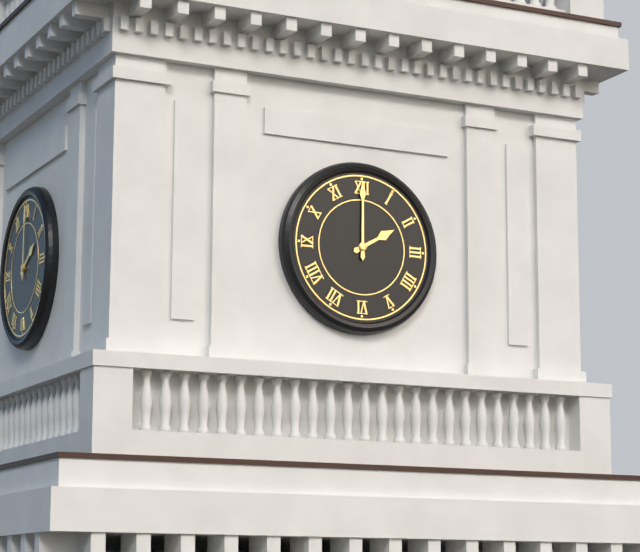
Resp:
**2:00**
